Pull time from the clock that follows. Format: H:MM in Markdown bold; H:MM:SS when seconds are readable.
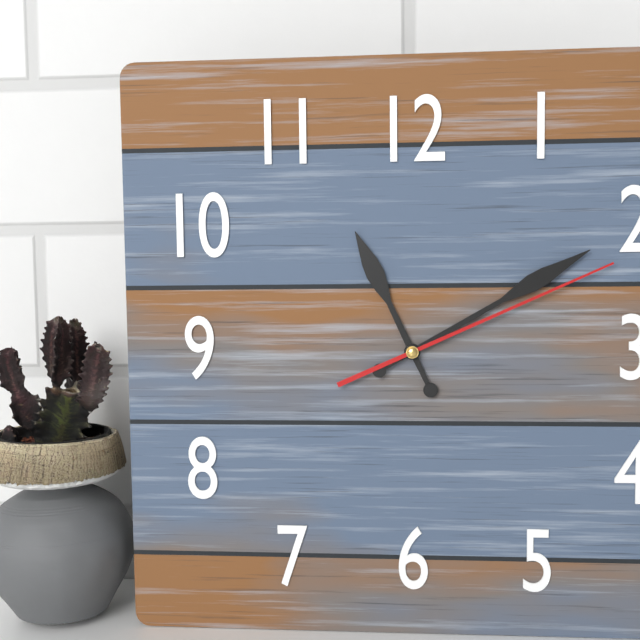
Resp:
**11:10:11**
